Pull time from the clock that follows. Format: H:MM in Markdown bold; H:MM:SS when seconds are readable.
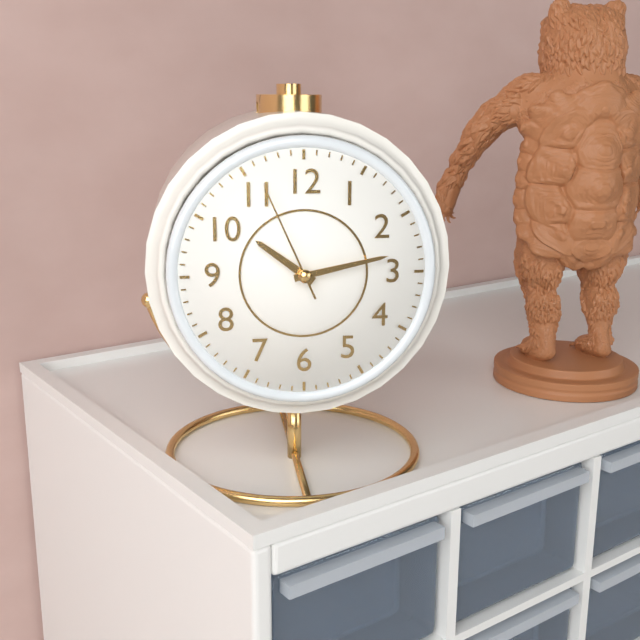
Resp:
**10:13:56**
